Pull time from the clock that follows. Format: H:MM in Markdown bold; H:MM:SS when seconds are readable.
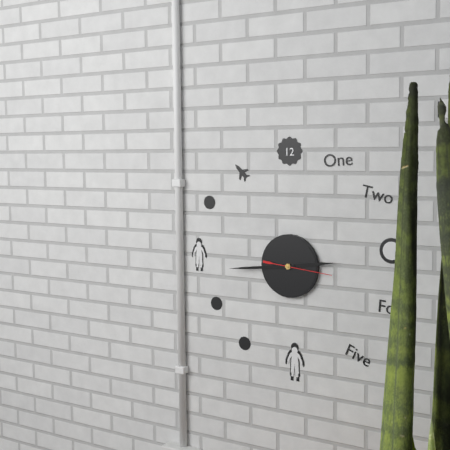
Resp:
**2:44:16**
